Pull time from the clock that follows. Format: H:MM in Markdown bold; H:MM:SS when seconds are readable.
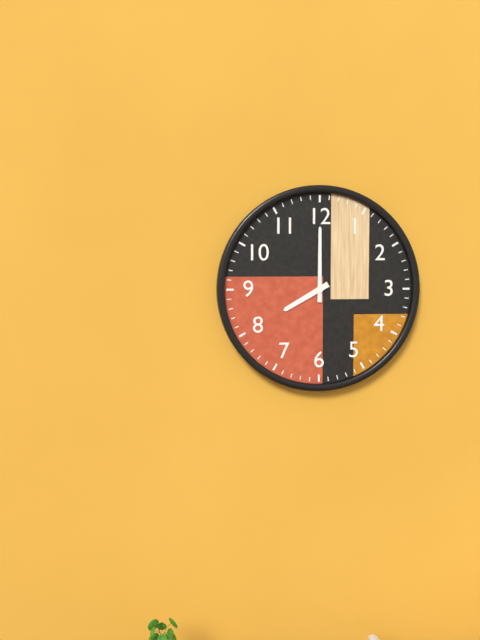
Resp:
**8:00**
